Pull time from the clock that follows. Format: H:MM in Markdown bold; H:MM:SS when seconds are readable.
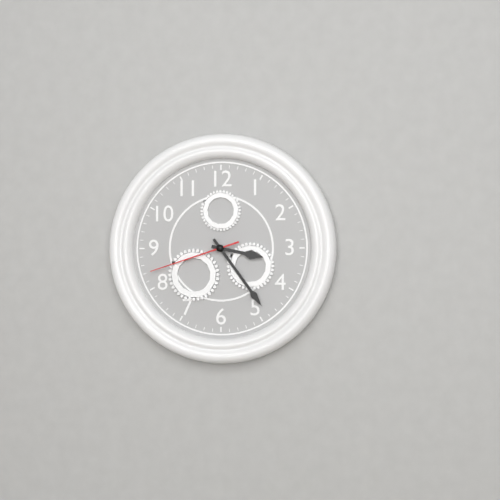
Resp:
**3:24:42**
